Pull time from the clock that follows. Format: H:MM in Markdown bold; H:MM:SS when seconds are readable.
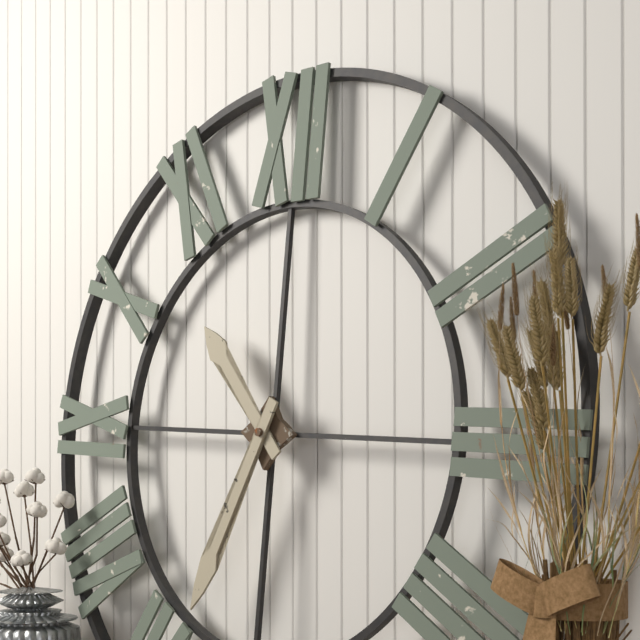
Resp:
**10:34**
